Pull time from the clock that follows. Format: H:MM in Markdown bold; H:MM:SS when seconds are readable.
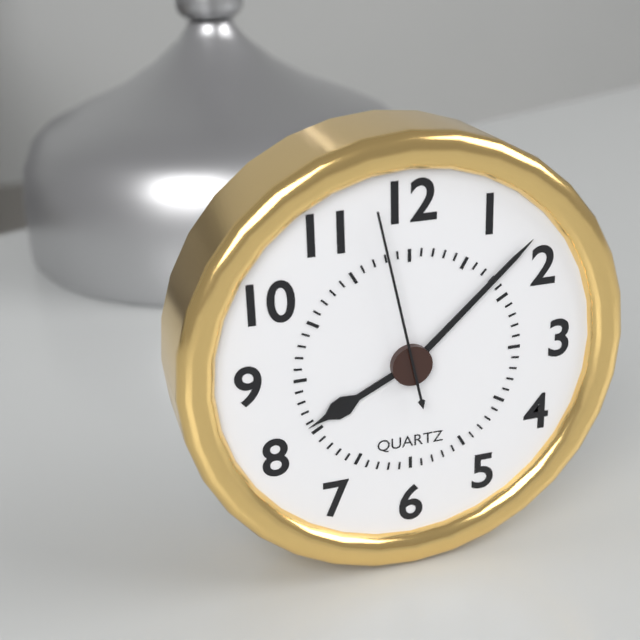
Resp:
**8:08:58**
